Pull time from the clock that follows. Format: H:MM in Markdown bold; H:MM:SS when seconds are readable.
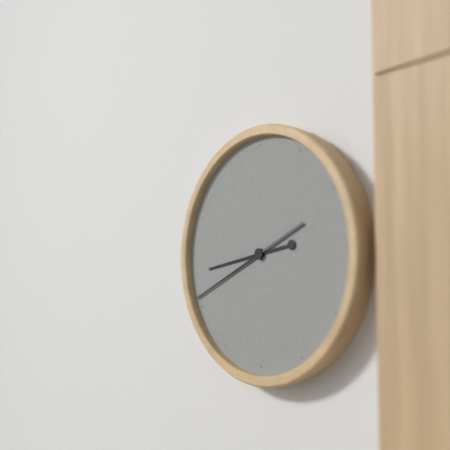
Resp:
**8:41**
